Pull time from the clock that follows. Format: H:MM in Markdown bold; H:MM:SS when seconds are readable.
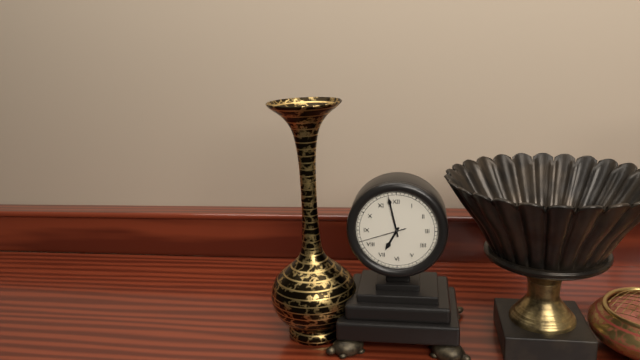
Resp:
**6:58**
